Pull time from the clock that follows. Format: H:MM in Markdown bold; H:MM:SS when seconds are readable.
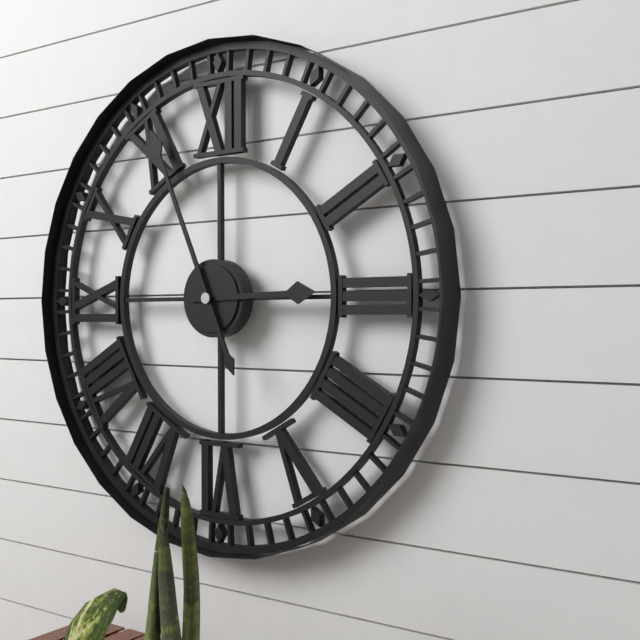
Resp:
**2:56**
